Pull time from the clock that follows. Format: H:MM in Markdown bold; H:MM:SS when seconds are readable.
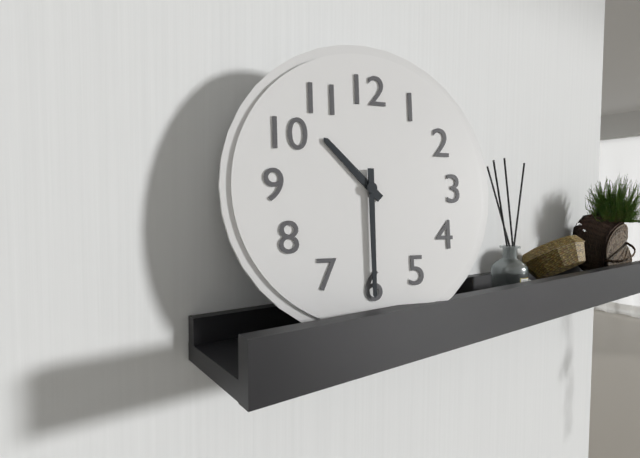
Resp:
**10:30**
